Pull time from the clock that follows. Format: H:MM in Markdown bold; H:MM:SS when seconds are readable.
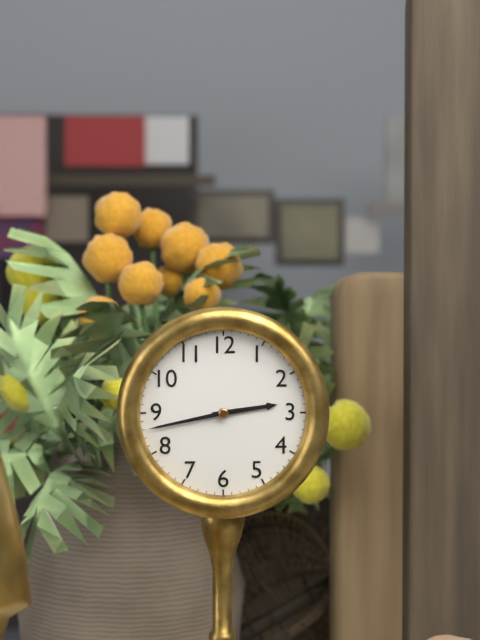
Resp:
**2:43**
